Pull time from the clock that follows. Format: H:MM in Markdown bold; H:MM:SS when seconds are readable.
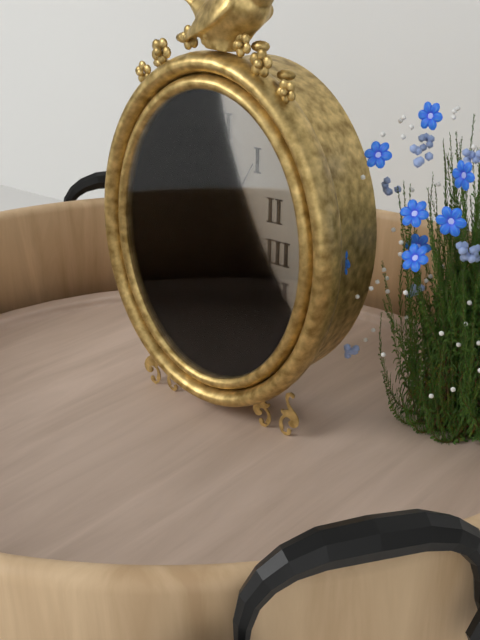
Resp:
**4:31:05**
